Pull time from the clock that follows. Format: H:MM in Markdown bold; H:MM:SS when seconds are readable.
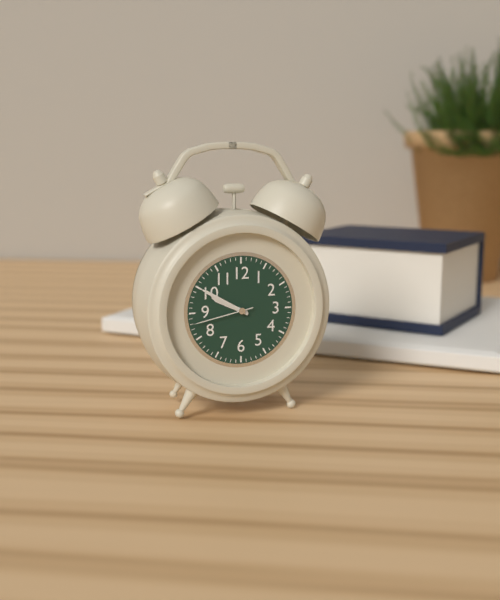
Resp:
**9:50:43**
